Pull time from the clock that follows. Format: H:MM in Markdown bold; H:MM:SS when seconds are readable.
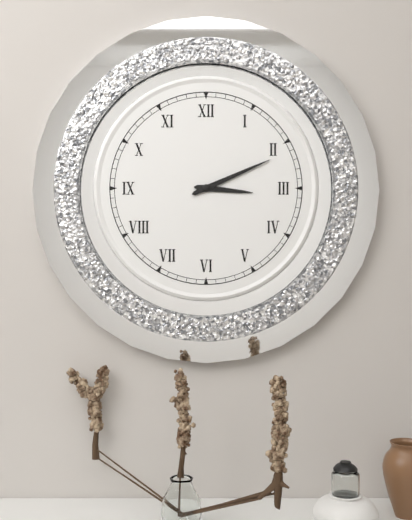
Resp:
**3:11**
